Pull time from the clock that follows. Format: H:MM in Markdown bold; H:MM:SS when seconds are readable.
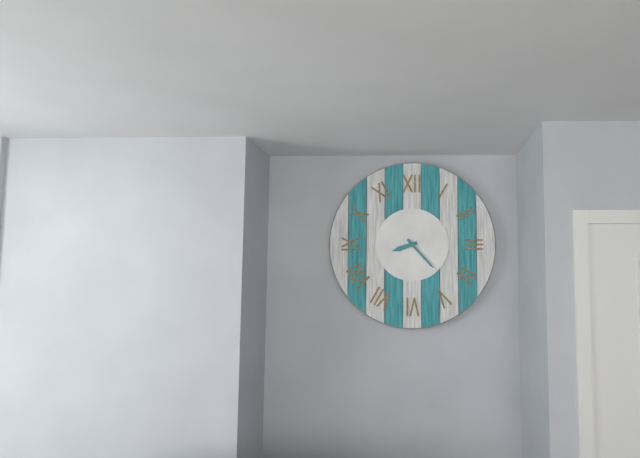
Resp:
**8:23**
